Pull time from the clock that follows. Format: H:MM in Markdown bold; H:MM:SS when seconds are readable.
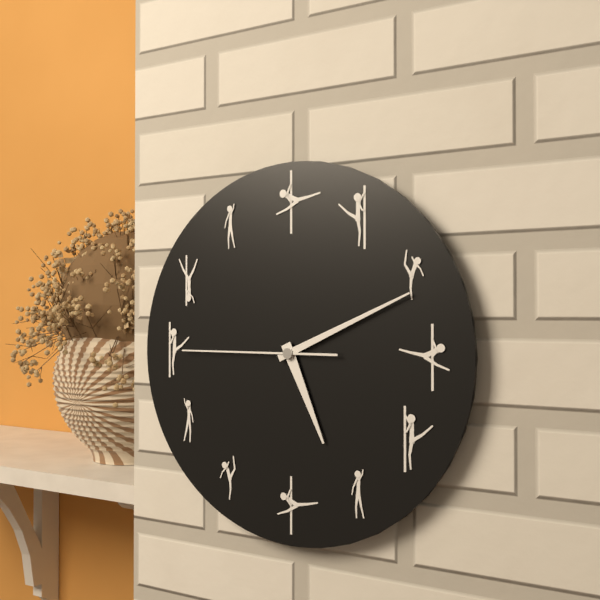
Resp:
**5:11:45**
